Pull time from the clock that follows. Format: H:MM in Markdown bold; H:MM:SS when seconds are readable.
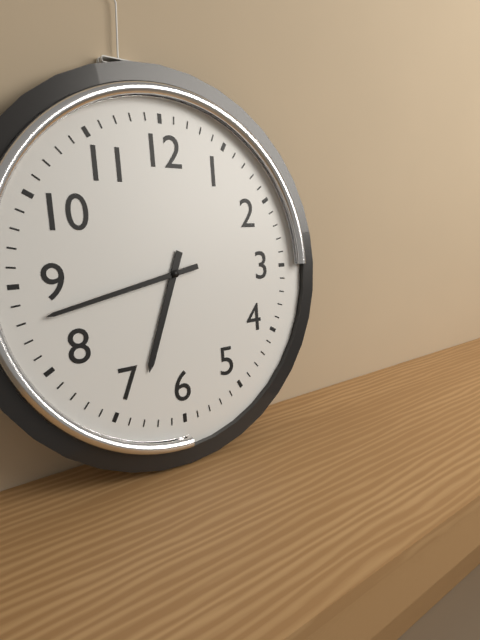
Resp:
**6:43**
